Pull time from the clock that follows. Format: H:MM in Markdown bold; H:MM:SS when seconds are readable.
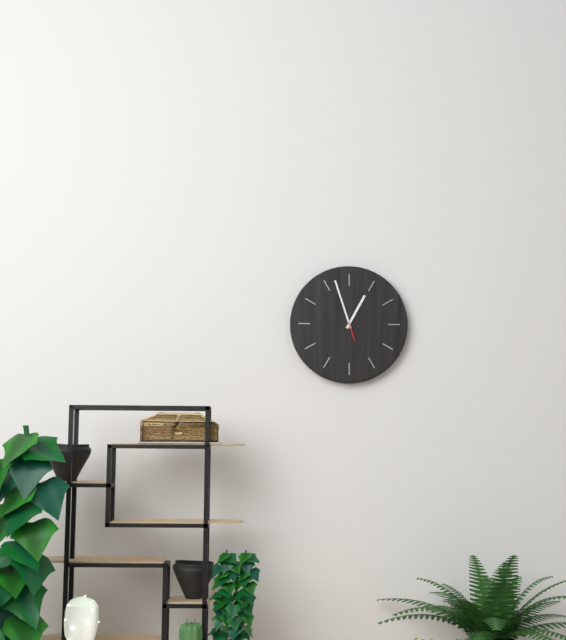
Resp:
**12:57**
